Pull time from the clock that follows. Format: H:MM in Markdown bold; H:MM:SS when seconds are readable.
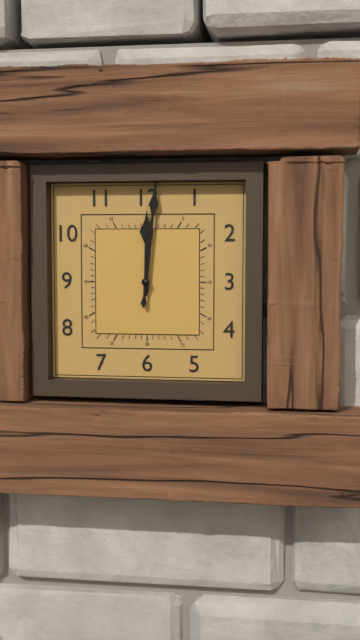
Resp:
**12:01**
